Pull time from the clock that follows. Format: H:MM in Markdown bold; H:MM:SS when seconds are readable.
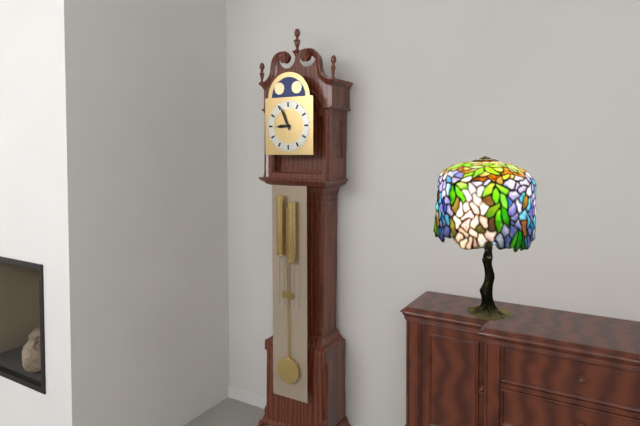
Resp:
**8:56**
